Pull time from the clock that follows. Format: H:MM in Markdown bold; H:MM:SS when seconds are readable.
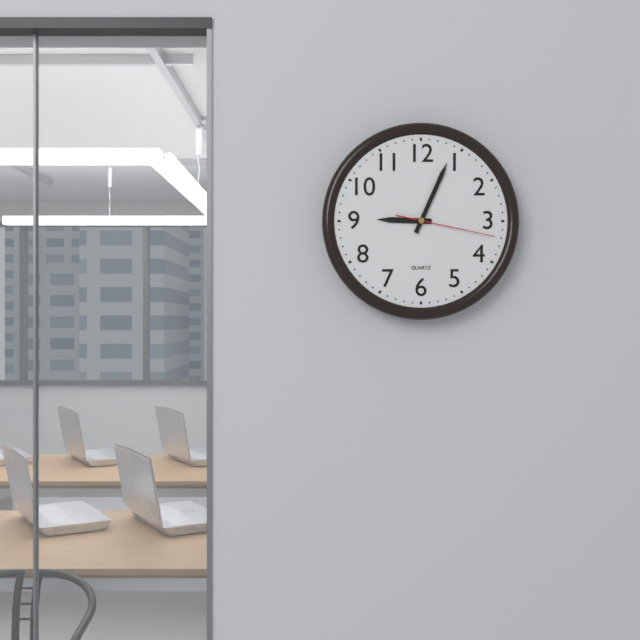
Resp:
**9:04:17**
